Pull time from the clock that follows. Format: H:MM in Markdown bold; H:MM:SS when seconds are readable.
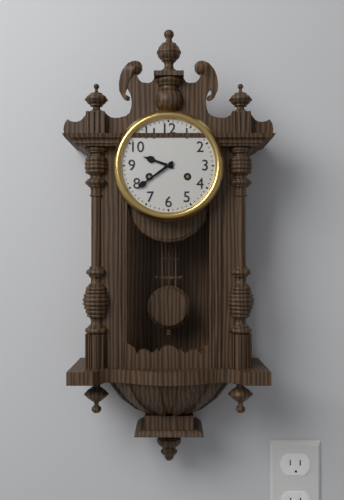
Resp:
**9:39**
